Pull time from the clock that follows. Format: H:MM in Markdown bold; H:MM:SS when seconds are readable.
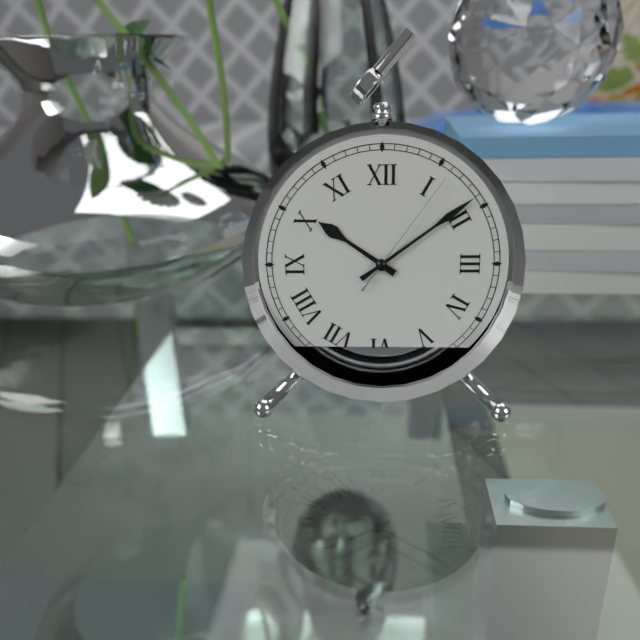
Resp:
**10:09:06**
